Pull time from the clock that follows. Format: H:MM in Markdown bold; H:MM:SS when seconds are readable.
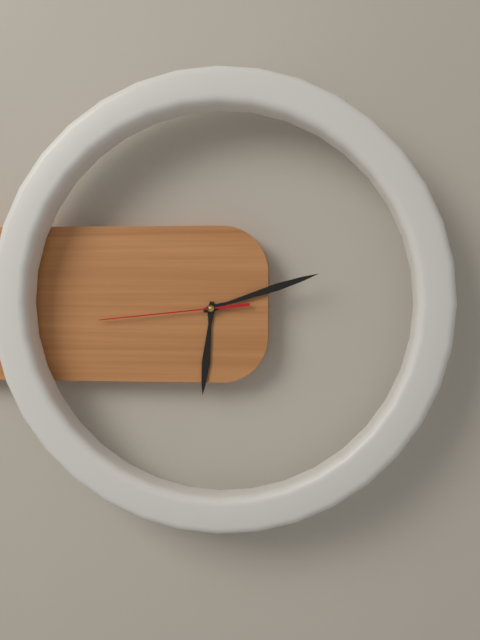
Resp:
**6:12:44**
